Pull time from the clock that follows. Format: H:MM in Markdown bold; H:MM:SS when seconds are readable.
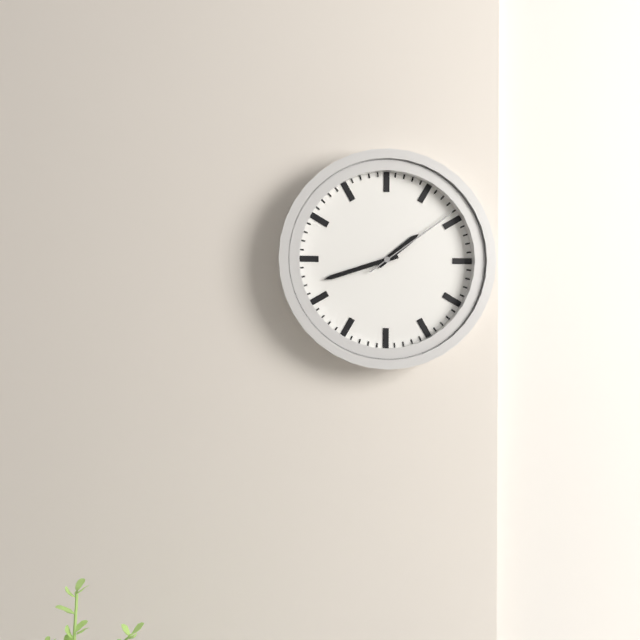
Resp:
**1:42:09**
